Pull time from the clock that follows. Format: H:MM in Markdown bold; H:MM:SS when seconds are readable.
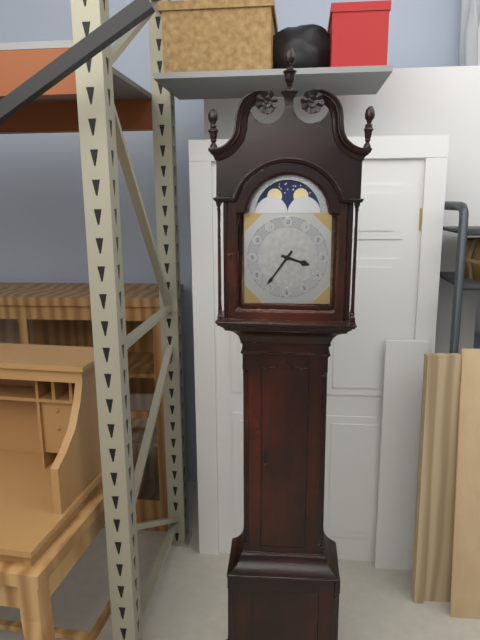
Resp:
**3:36**
